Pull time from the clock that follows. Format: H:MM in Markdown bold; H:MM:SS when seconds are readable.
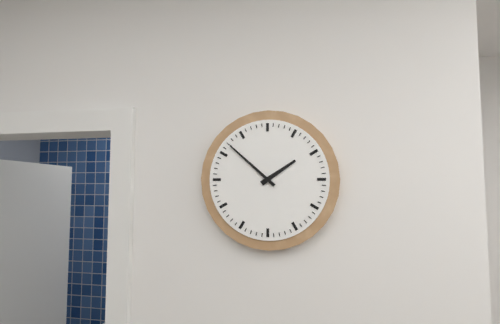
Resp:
**1:52**
